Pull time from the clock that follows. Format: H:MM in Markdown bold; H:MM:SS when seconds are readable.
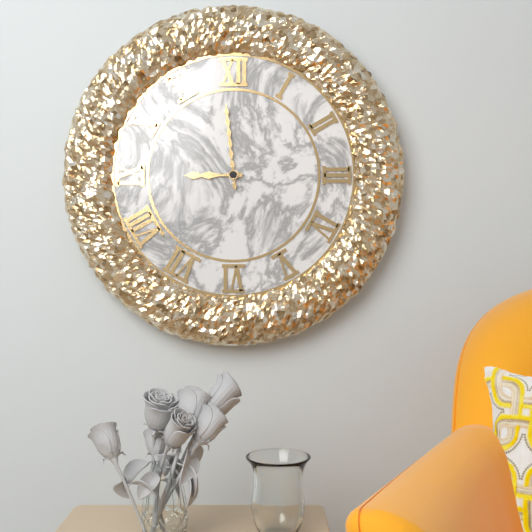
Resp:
**8:59**
